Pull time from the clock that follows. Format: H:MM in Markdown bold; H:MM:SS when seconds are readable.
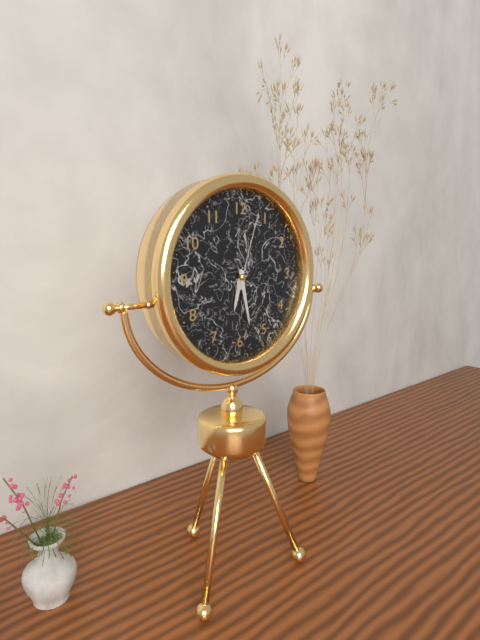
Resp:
**6:28:03**
